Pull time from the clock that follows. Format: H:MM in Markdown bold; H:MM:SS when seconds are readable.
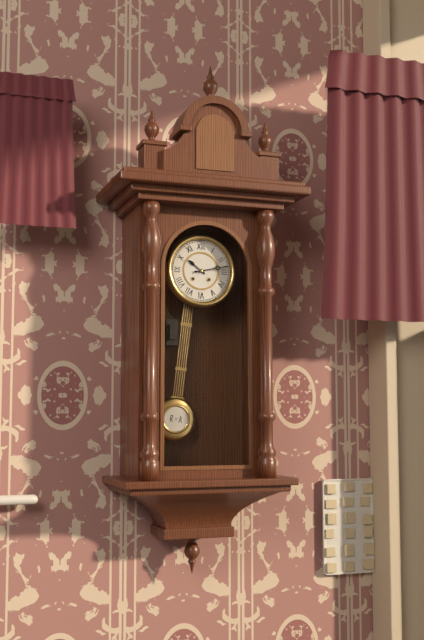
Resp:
**10:13**
